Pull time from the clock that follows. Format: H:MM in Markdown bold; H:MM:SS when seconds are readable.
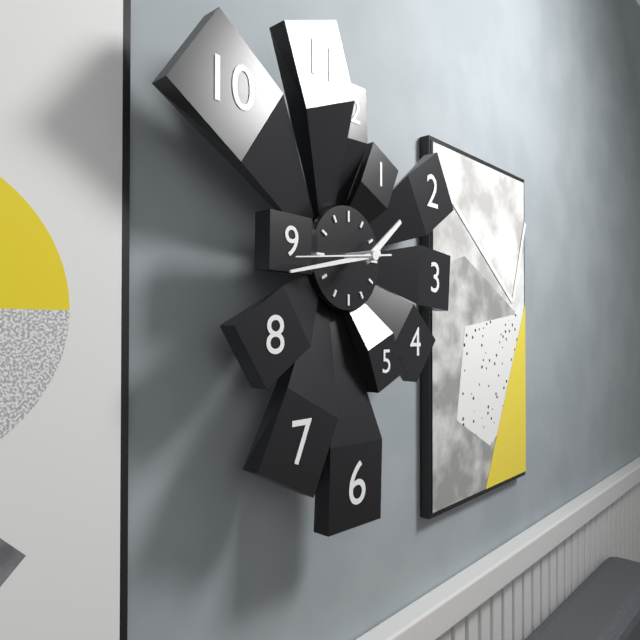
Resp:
**1:43**
